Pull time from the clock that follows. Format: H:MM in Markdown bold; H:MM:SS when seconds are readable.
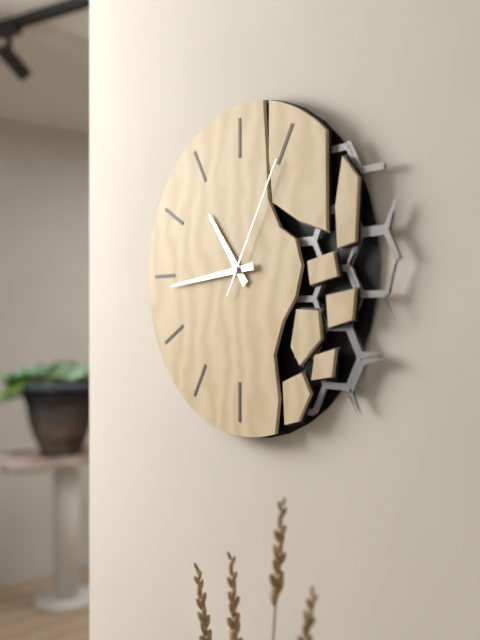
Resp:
**10:44:05**
